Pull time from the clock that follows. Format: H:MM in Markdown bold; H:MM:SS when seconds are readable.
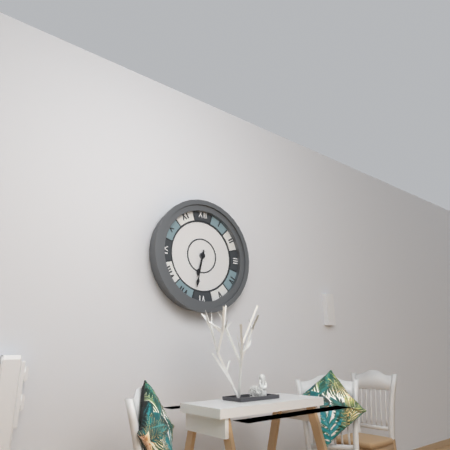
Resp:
**6:32**
